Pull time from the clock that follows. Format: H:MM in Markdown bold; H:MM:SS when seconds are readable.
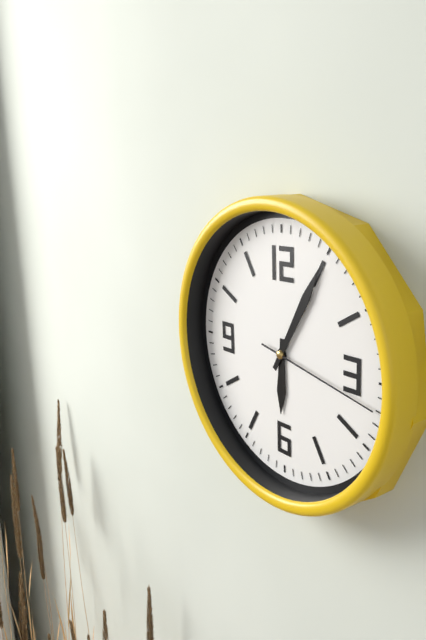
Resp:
**6:05:17**
